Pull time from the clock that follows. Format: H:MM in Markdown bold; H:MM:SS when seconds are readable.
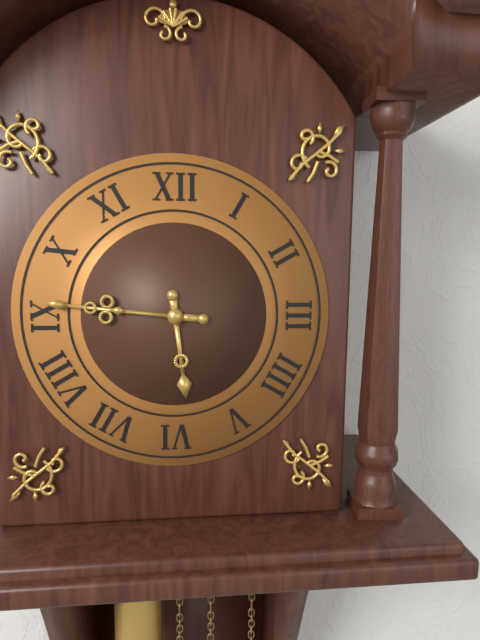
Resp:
**5:46**
